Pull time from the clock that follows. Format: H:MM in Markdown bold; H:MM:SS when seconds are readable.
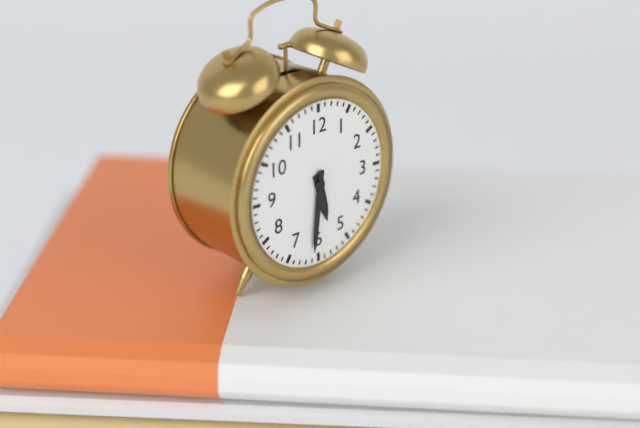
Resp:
**5:31**
